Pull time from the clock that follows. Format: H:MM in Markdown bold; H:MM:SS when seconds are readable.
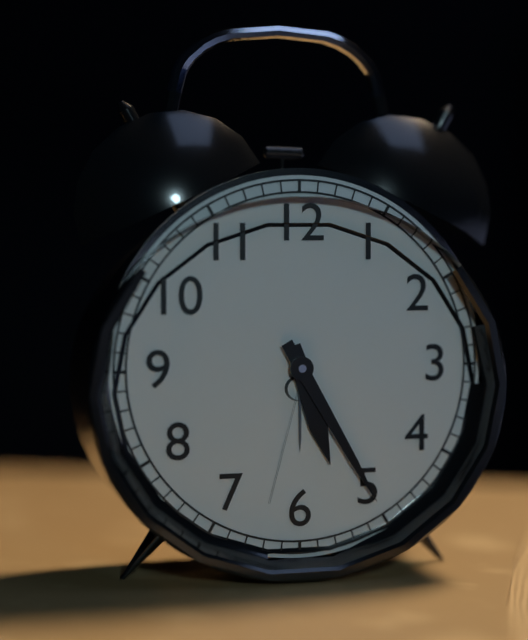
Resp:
**5:25**
